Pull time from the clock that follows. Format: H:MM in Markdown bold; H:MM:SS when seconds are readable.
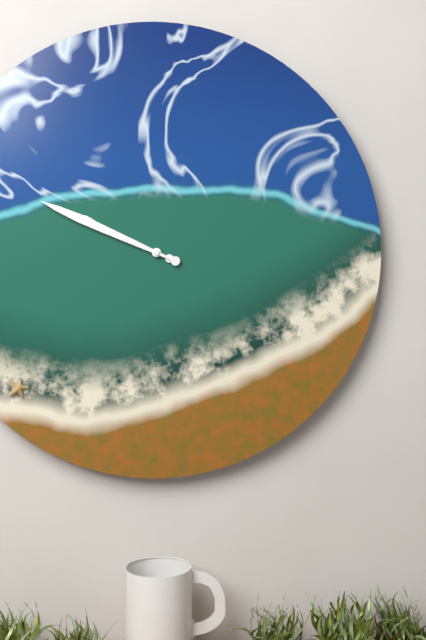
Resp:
**9:49**
